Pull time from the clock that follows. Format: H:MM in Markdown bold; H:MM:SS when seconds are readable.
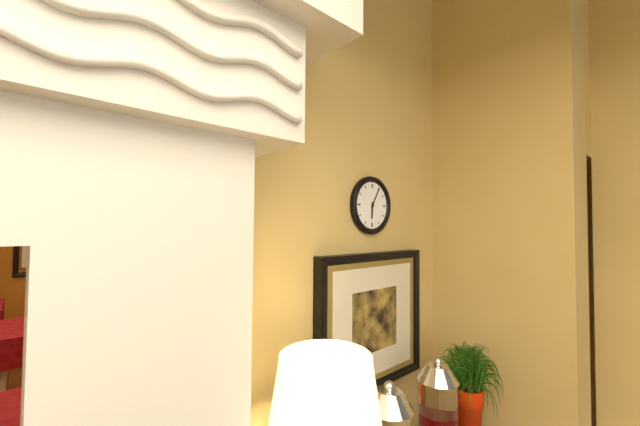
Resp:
**6:05**
